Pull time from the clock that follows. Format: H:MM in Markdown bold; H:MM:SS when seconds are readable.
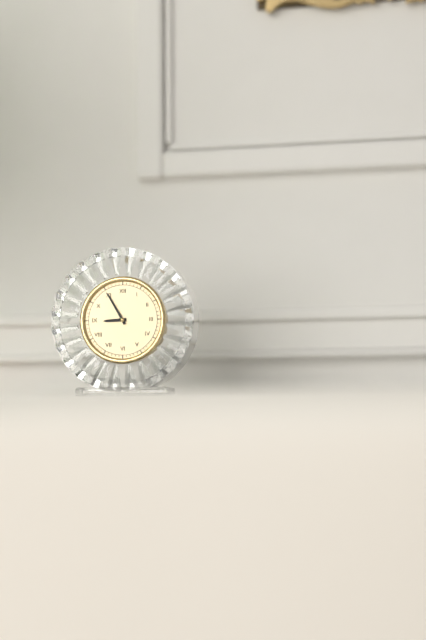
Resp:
**8:55**
